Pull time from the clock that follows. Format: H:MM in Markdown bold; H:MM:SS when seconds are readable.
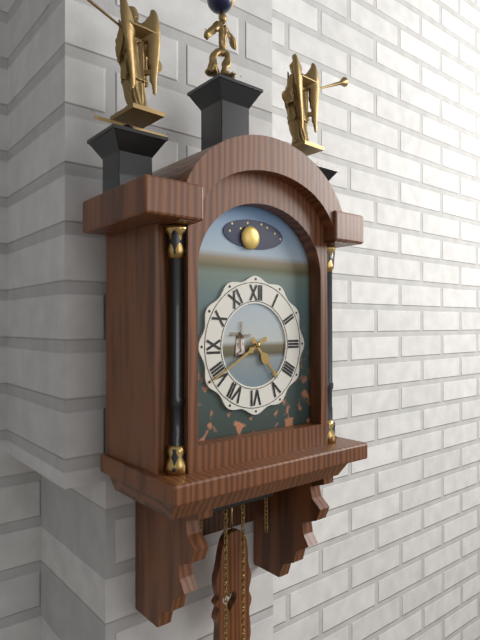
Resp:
**4:40**
